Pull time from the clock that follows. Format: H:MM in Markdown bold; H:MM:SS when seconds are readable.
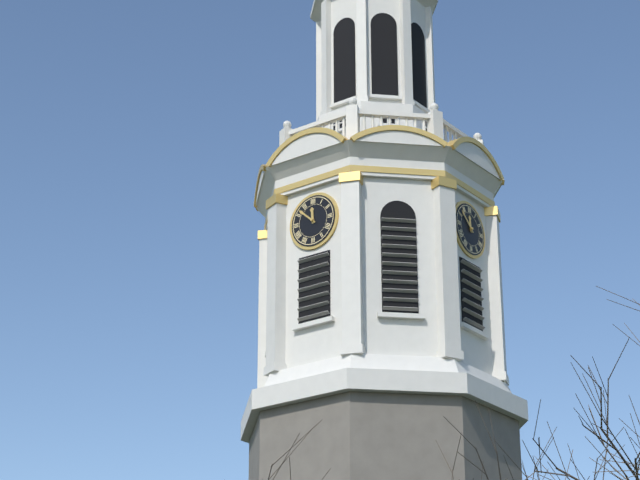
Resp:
**11:52**
